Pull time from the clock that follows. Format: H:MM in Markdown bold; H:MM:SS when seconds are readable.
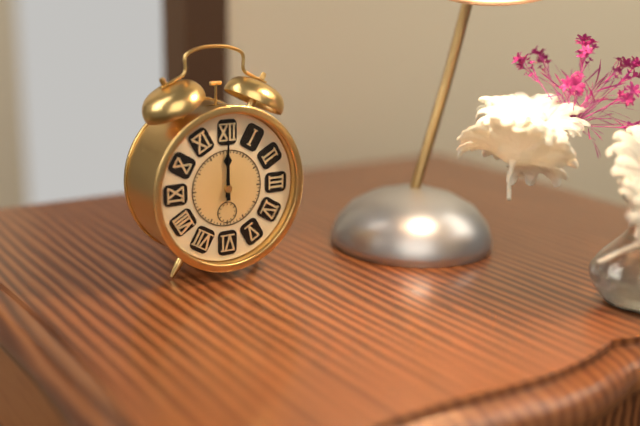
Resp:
**12:00**
